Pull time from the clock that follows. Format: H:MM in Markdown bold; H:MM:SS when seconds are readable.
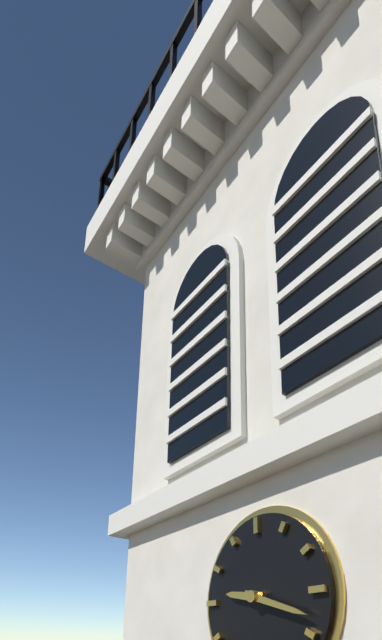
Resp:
**9:18**
